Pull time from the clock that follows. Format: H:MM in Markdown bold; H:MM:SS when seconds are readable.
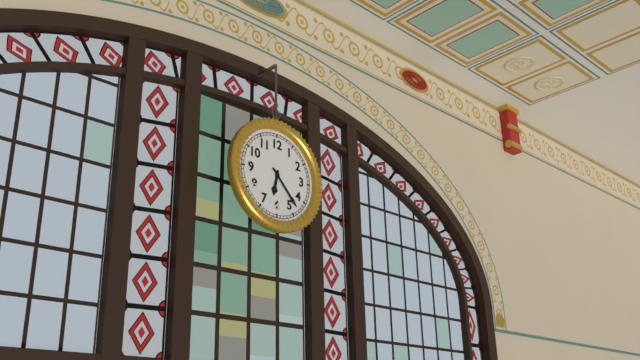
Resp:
**6:23**
